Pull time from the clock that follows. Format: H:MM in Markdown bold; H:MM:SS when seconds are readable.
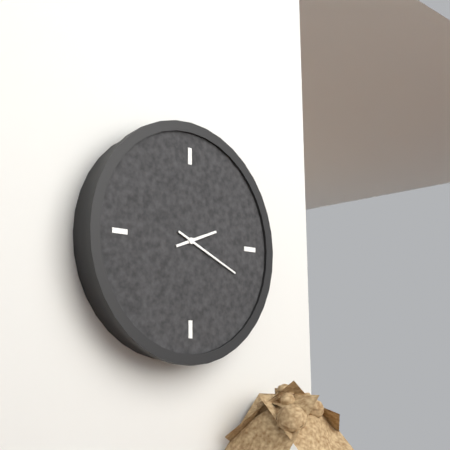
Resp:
**2:19**
